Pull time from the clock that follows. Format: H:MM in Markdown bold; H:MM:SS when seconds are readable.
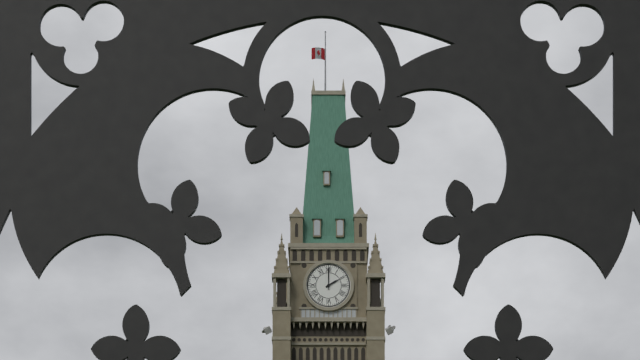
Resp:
**2:00**
